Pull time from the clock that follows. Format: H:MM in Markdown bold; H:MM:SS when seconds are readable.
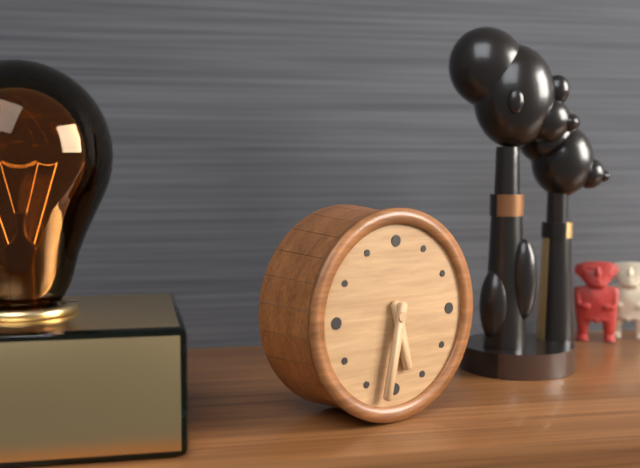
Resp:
**5:32**
